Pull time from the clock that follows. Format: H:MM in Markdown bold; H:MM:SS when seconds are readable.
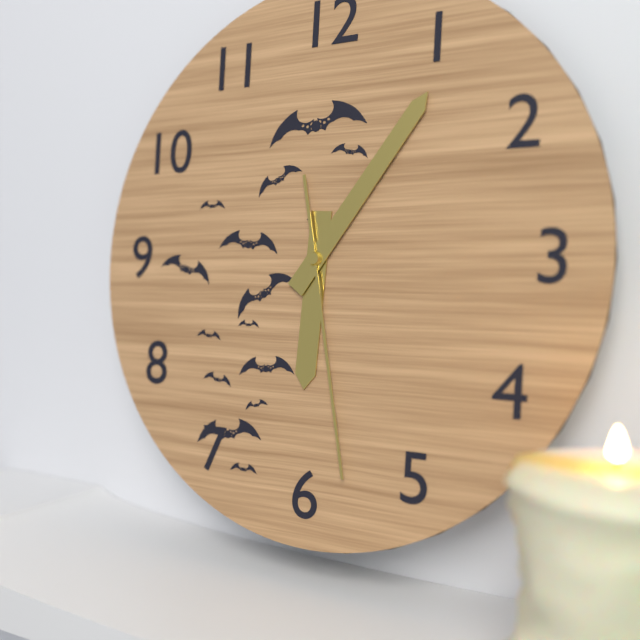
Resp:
**6:06:28**
